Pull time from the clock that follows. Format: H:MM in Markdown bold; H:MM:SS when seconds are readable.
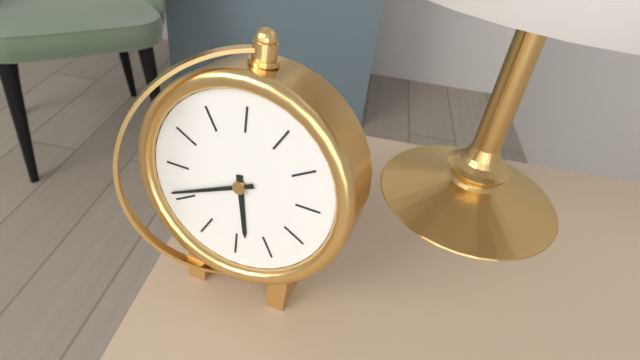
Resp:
**5:41**
